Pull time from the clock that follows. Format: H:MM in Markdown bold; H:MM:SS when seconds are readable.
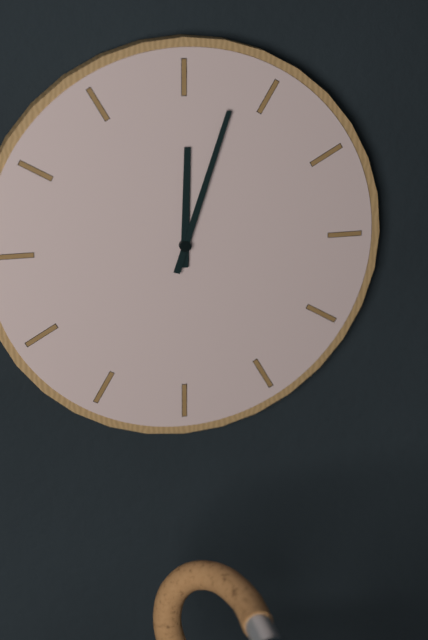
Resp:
**12:03**
